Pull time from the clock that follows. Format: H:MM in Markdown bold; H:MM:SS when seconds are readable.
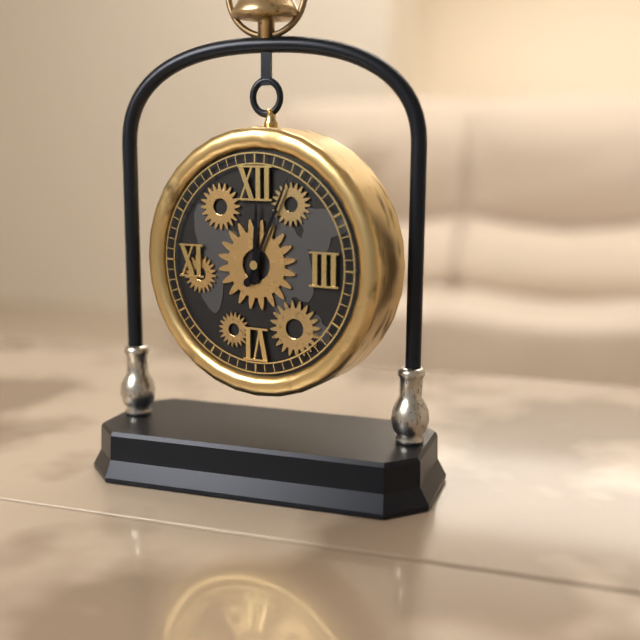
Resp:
**12:04**
